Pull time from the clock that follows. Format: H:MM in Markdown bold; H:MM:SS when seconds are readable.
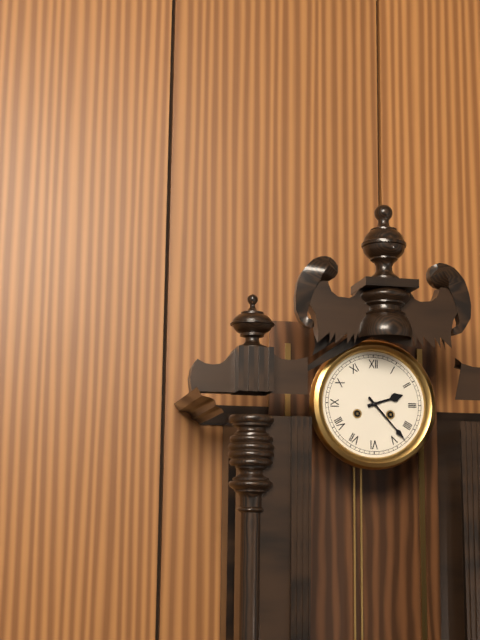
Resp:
**2:23**
